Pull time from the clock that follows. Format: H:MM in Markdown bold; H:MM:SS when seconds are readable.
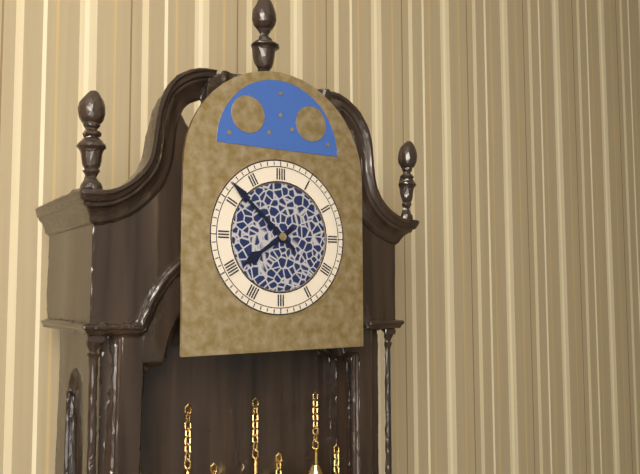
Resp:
**7:52**
